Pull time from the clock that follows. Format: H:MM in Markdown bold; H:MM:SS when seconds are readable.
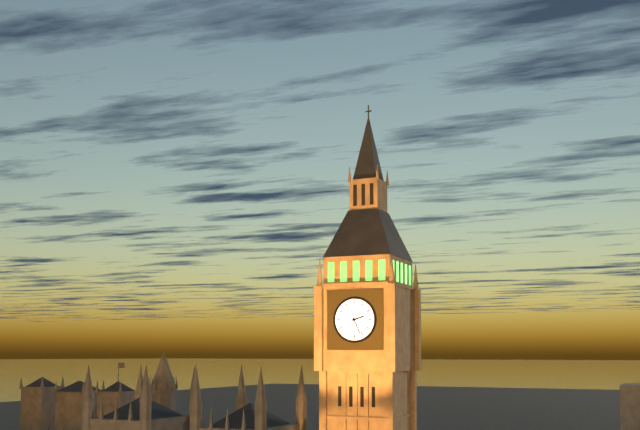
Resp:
**2:26**
